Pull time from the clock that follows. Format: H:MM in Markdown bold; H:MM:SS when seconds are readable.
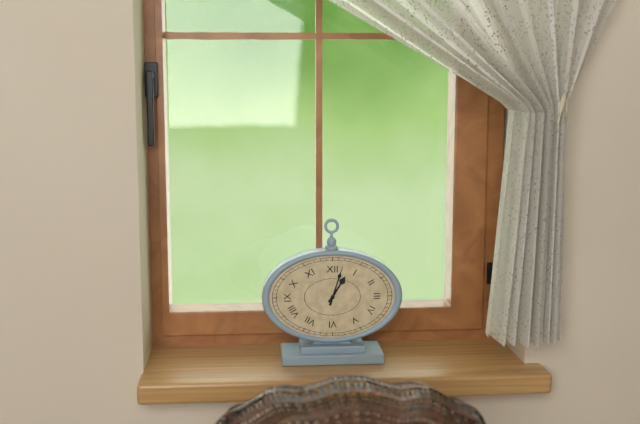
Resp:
**1:03**
